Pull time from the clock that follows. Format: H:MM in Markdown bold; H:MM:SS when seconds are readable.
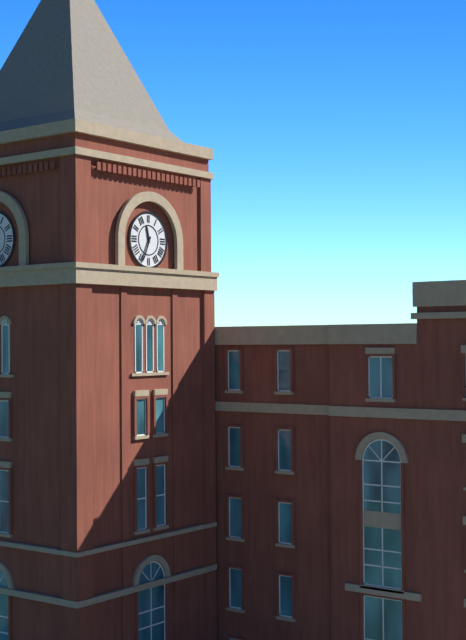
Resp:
**11:34**
